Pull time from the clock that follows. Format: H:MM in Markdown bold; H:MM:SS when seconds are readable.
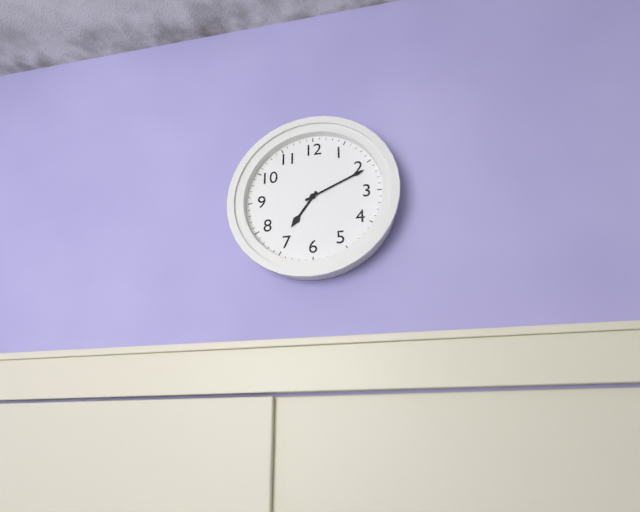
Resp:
**7:11**
